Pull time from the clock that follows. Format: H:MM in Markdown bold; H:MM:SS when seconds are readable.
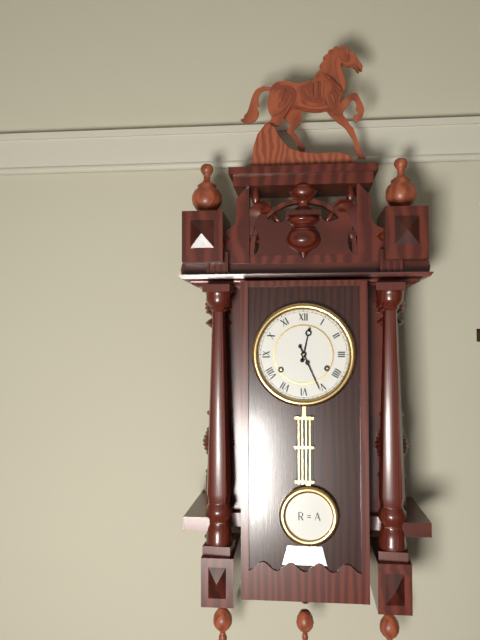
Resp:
**12:26**
